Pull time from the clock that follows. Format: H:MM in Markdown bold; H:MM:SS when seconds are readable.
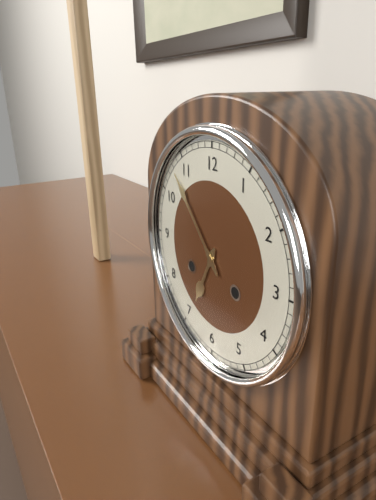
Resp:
**6:53**
